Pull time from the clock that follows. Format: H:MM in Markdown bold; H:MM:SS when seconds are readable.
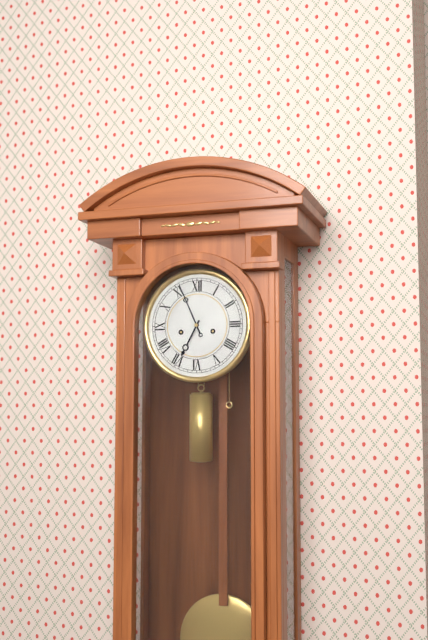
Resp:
**6:56**
